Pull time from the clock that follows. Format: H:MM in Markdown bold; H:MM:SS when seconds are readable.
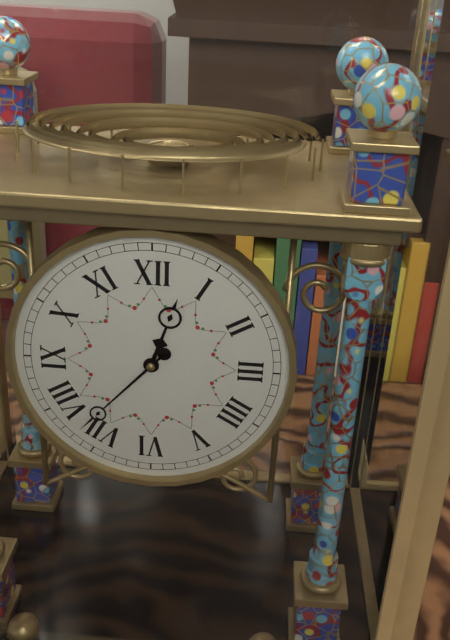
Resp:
**12:37**
